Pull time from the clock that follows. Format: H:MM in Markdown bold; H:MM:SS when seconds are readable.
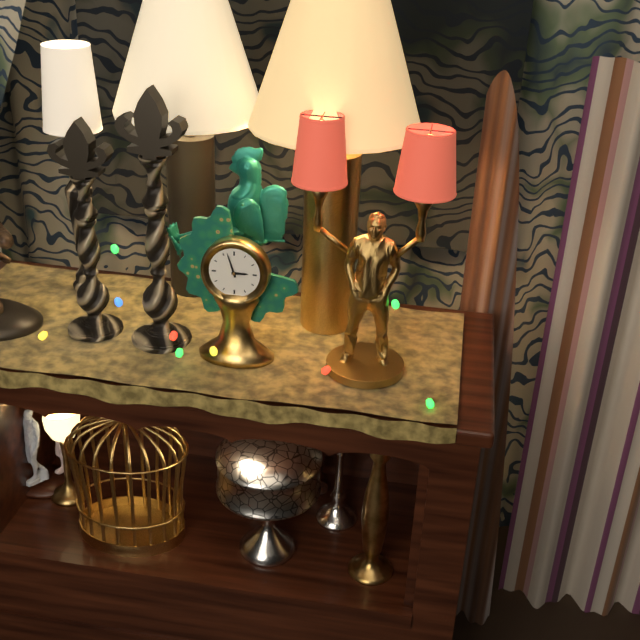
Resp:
**2:57**
